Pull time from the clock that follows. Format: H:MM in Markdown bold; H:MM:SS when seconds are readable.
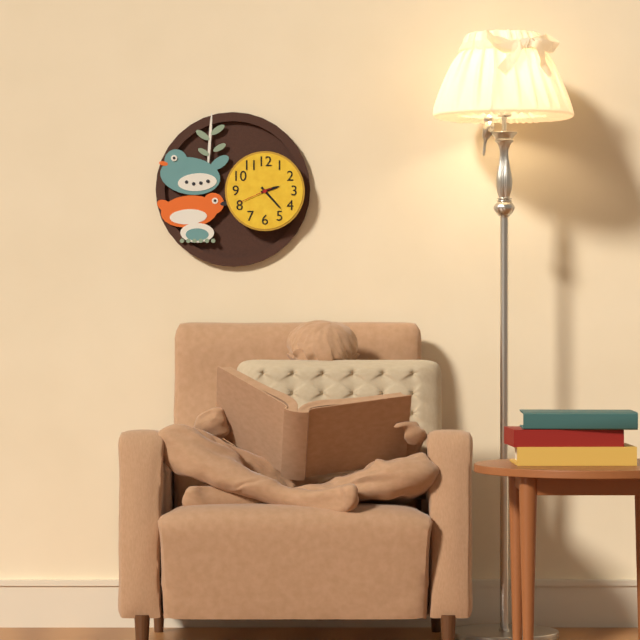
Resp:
**2:23**
